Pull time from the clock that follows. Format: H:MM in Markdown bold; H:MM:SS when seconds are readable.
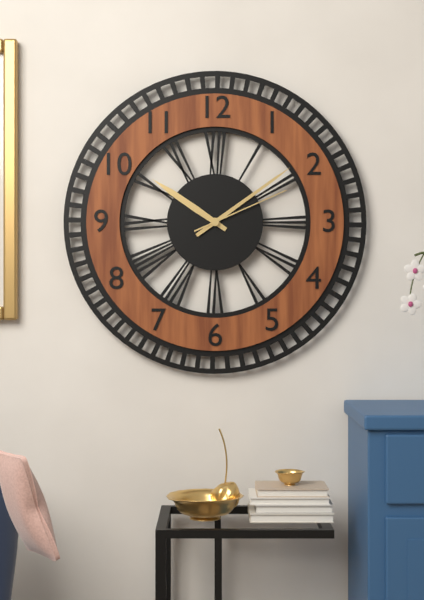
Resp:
**10:09:11**
